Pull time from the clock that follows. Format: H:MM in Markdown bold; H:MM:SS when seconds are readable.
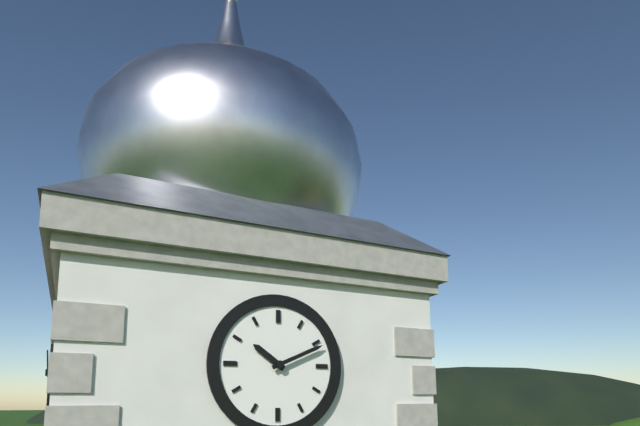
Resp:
**10:11**
